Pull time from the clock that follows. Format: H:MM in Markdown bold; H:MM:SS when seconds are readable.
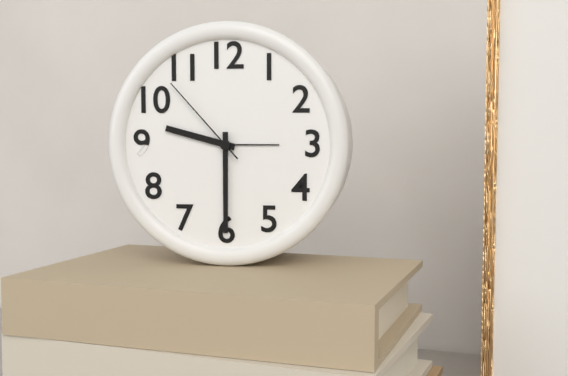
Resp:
**9:30:53**
